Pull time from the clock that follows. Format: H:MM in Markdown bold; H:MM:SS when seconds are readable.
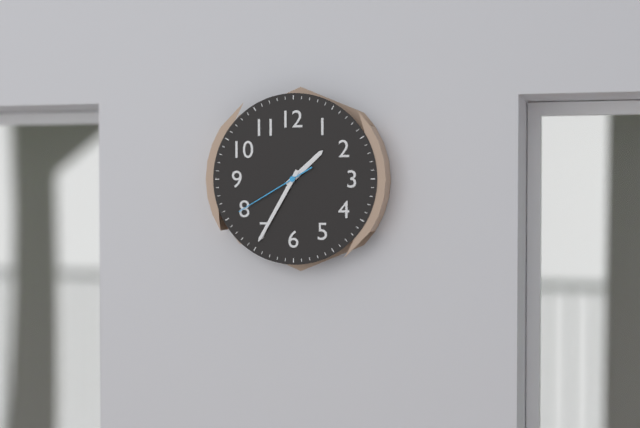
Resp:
**1:35:40**
